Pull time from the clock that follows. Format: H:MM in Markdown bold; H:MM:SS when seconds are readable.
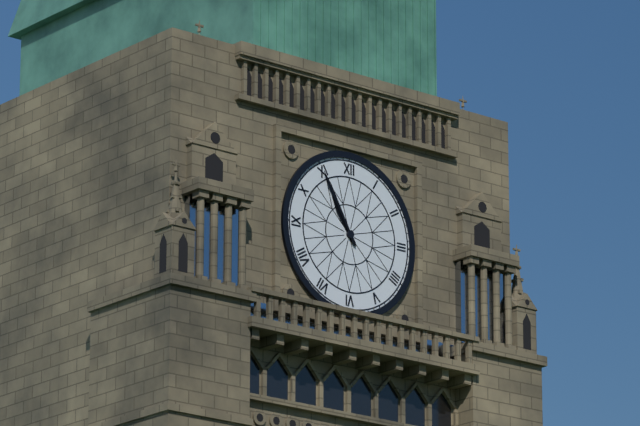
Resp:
**10:55**
